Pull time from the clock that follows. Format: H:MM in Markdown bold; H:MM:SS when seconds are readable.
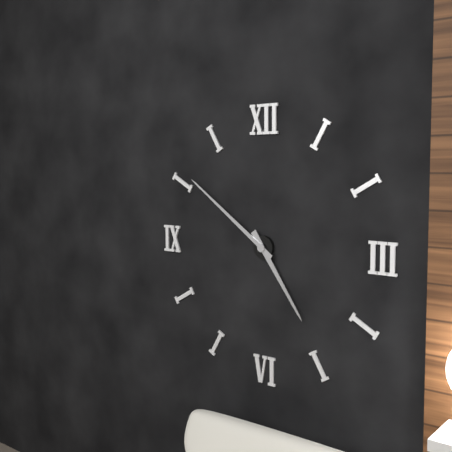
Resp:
**4:51**
